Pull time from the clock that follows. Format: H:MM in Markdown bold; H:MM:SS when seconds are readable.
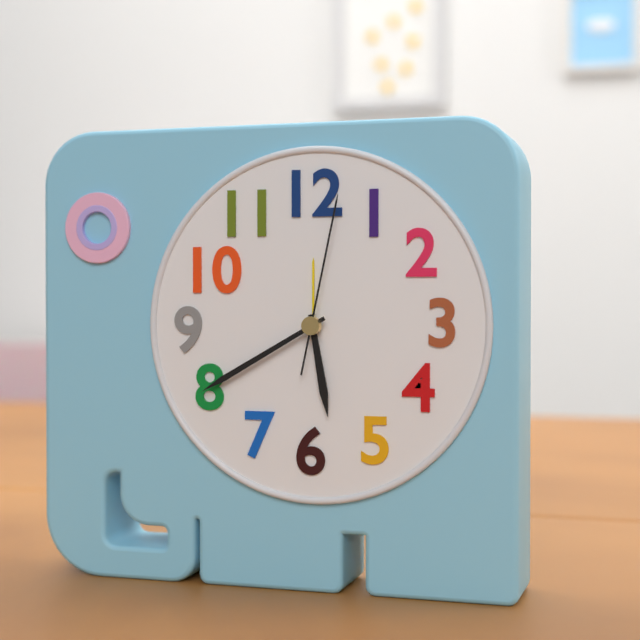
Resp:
**5:40:02**
